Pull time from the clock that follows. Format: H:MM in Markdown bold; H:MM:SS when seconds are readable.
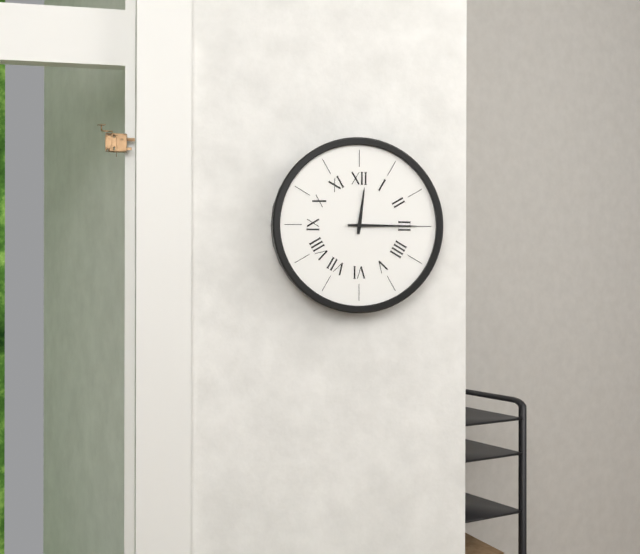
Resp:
**12:15**
